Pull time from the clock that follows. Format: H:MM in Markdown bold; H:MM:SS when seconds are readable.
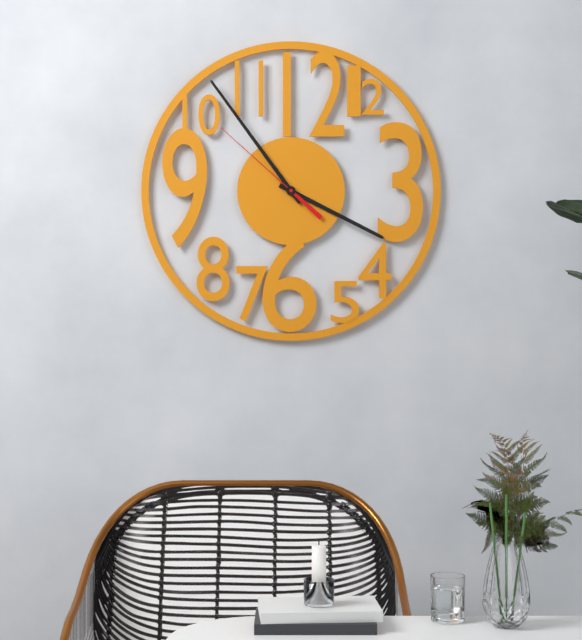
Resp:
**3:54:52**
